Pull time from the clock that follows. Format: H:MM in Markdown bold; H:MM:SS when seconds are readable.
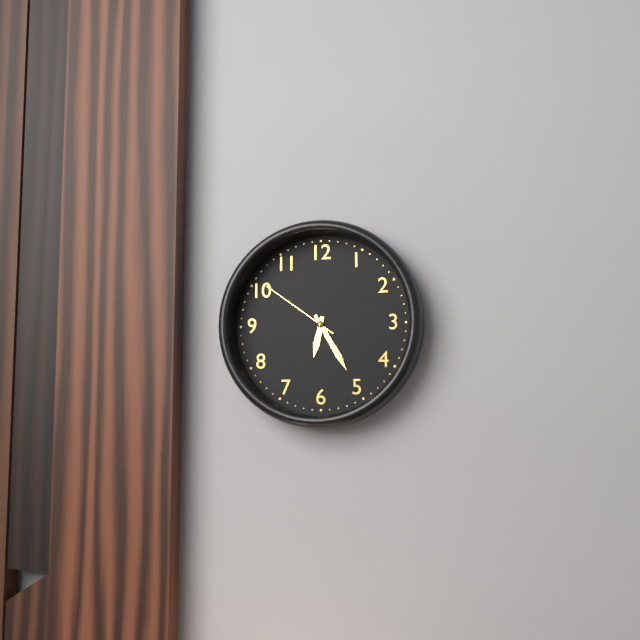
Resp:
**6:25:51**
